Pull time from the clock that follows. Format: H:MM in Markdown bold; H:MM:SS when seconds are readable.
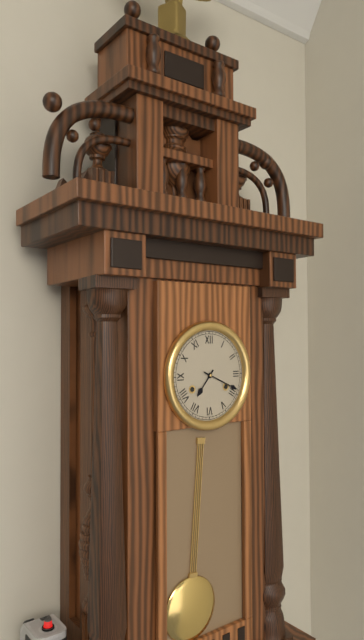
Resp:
**7:19**
